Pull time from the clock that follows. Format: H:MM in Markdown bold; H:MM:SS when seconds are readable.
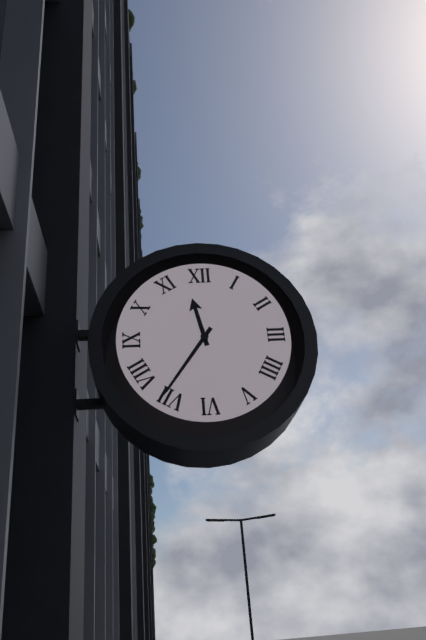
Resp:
**11:36**
